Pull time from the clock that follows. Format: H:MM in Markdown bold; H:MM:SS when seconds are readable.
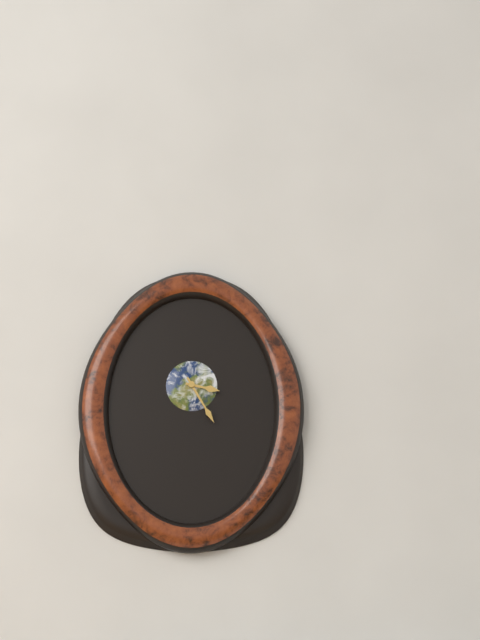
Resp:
**3:25**
